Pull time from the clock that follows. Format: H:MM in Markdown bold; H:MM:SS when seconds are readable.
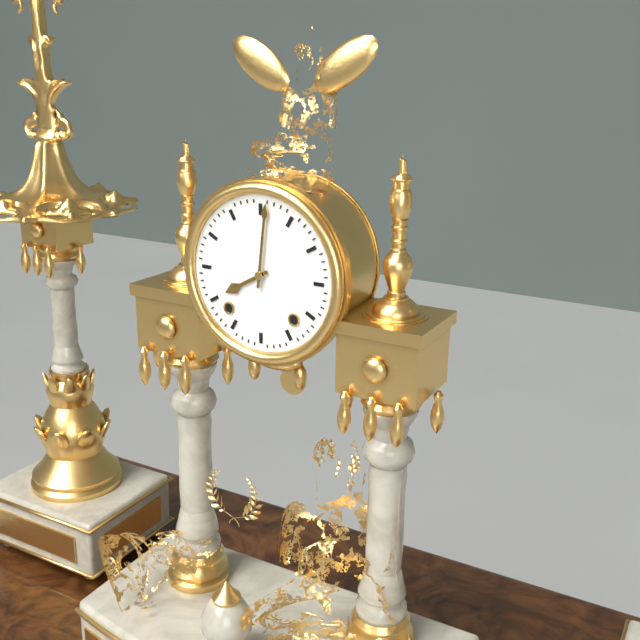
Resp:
**8:01**
